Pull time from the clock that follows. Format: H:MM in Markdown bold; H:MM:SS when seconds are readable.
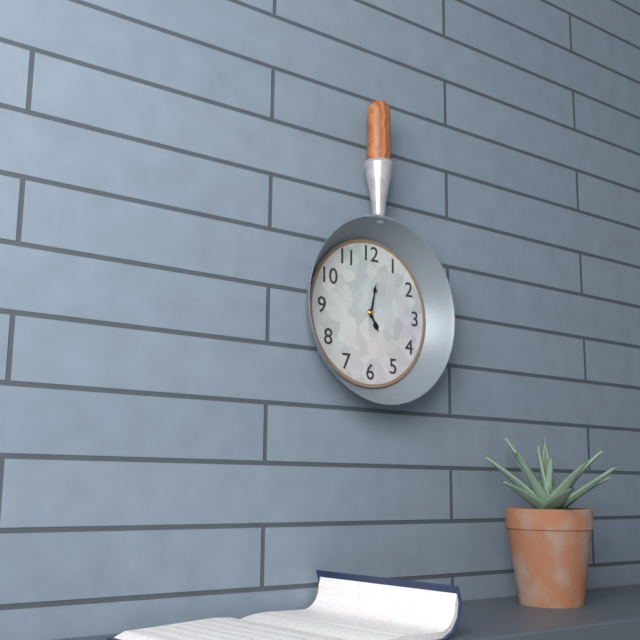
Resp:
**5:02**
